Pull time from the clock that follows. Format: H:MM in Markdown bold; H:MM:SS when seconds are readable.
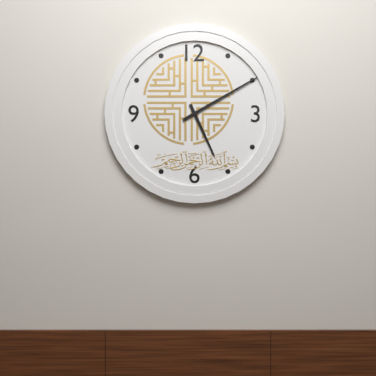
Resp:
**5:10**
